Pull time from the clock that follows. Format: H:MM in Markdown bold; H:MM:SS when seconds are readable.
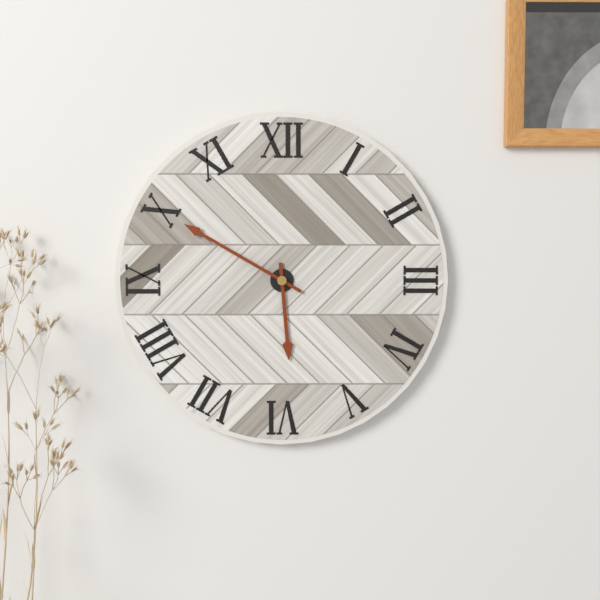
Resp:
**5:50**
